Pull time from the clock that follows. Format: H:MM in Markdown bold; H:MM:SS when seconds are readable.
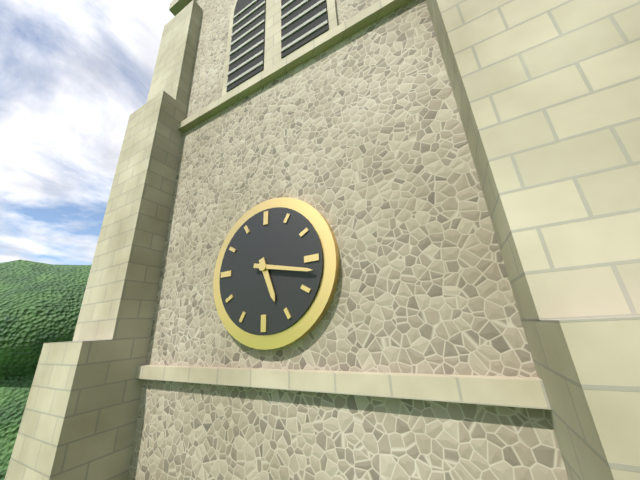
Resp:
**5:17**
